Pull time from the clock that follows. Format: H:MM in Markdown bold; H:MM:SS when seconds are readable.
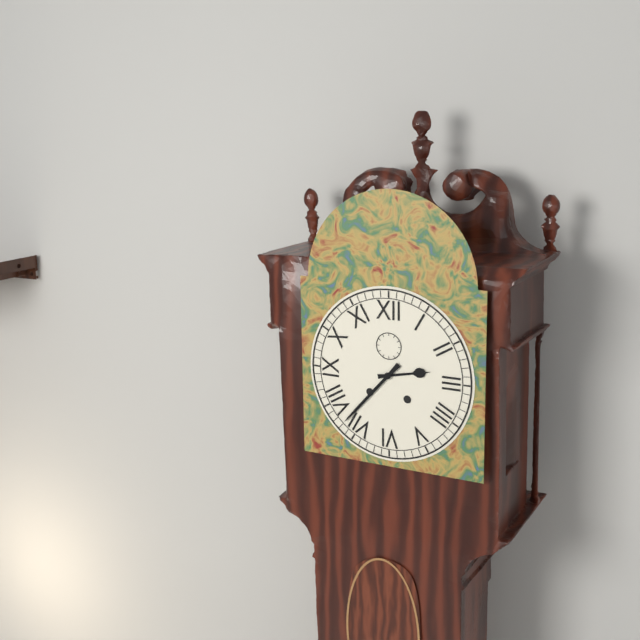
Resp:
**2:37**
